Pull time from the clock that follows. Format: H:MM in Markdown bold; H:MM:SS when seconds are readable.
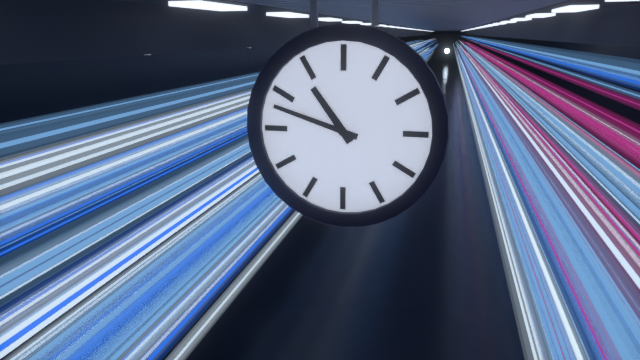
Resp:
**10:48**
